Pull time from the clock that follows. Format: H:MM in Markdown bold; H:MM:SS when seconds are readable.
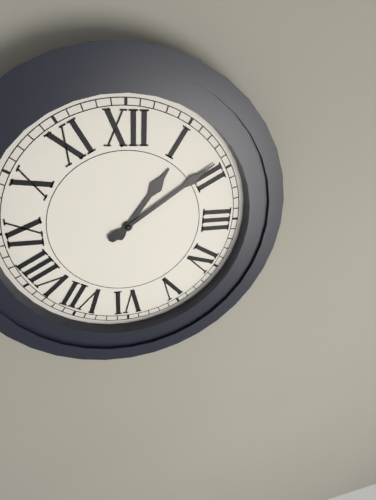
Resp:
**1:09**
